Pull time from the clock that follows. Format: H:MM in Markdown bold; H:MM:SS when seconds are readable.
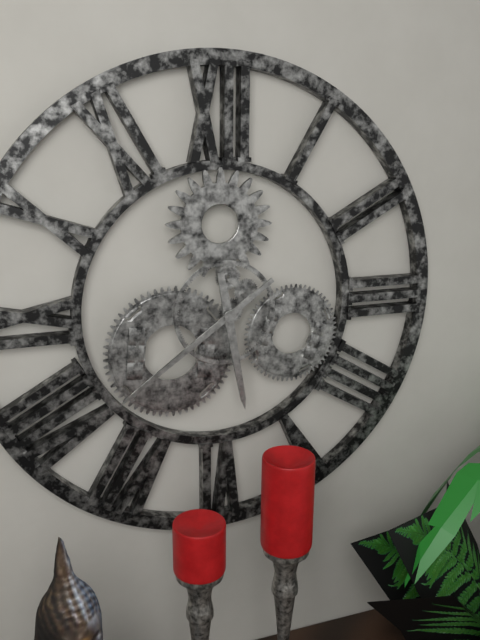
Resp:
**5:39**
